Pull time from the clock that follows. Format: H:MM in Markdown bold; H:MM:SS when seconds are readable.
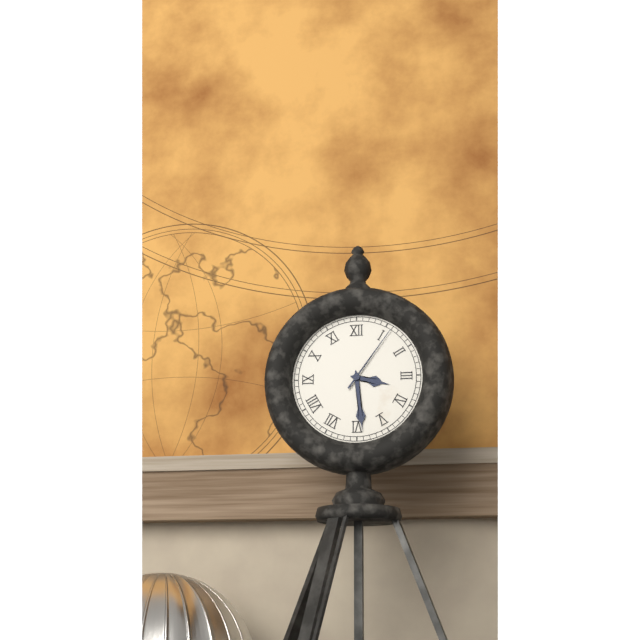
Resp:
**3:29:06**
